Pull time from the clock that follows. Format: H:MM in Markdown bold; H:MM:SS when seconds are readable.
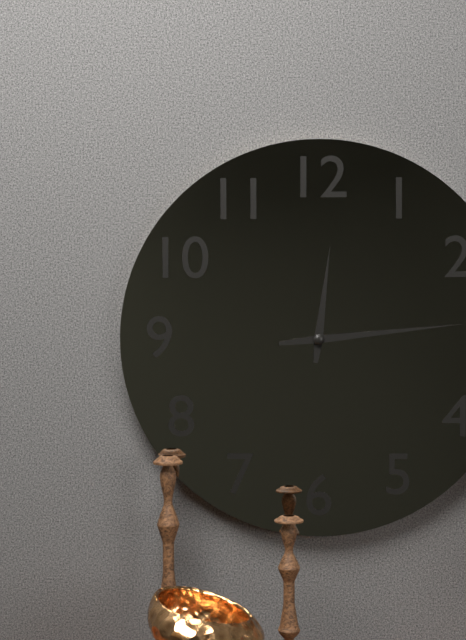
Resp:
**12:14**
